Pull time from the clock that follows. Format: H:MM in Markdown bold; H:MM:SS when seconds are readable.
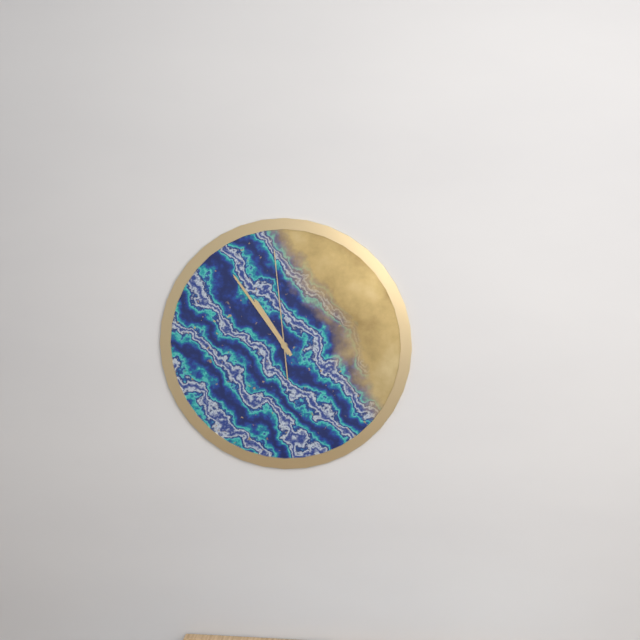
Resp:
**10:54:59**
